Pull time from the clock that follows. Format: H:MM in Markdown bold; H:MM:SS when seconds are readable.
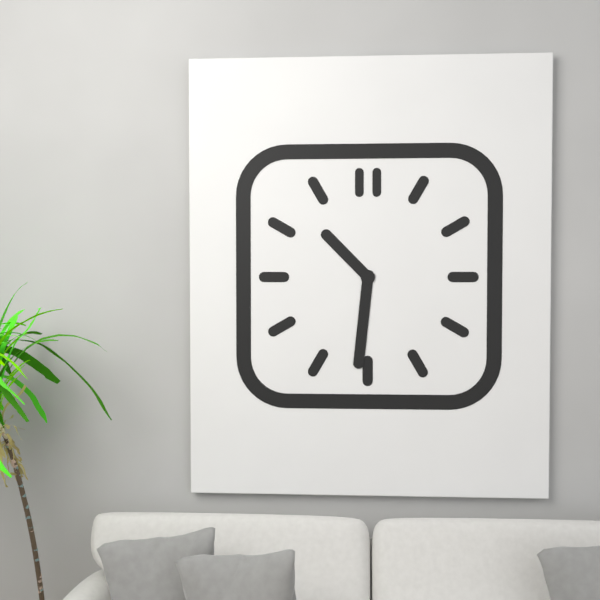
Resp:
**10:31**
